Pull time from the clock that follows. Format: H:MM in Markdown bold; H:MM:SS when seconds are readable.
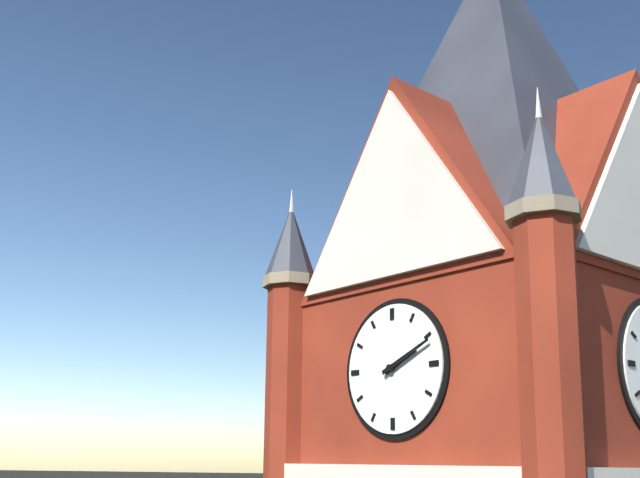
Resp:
**2:11**
